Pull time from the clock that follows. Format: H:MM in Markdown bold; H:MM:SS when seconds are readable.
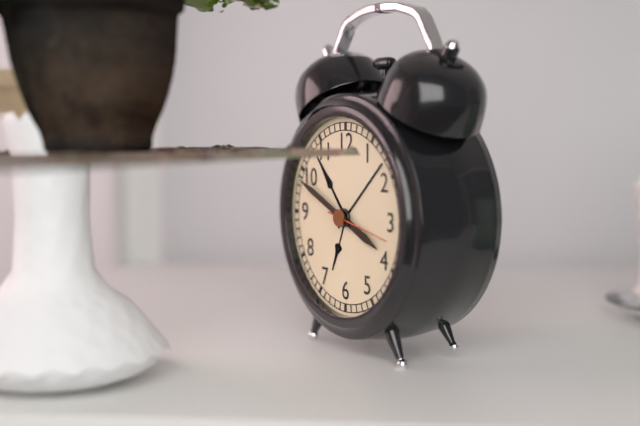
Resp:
**3:49:17**
